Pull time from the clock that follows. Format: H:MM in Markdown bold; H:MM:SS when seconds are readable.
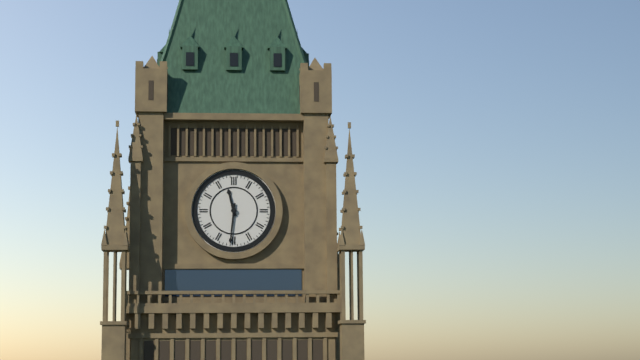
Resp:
**11:31**
